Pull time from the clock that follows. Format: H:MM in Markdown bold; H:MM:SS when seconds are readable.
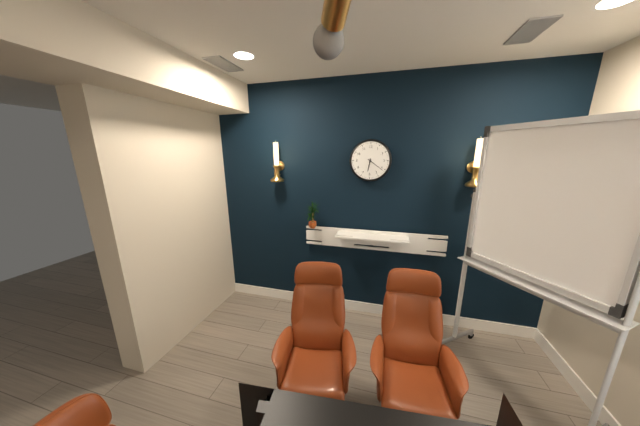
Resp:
**6:21**
